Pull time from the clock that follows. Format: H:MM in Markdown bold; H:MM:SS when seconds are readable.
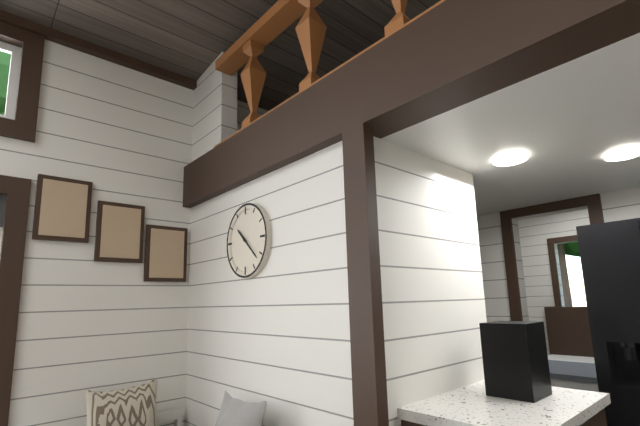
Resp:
**10:22**
